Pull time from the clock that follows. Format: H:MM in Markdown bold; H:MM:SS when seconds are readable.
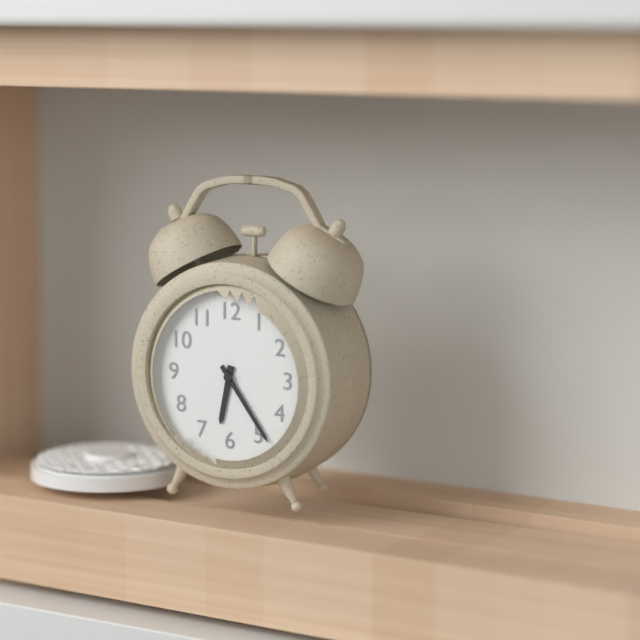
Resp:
**6:24**
